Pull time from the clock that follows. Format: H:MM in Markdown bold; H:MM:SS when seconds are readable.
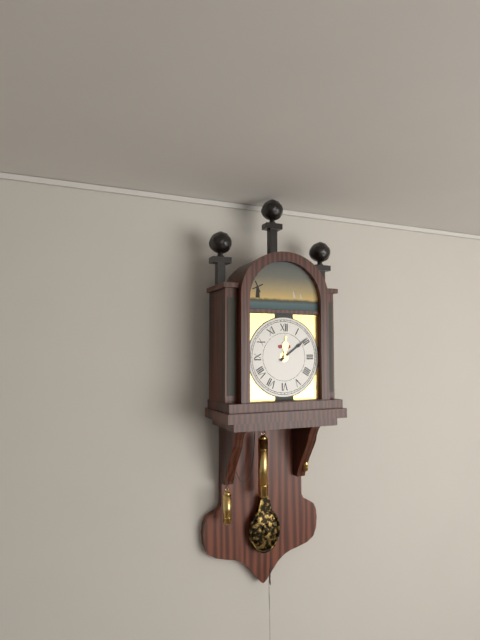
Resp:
**12:09**
